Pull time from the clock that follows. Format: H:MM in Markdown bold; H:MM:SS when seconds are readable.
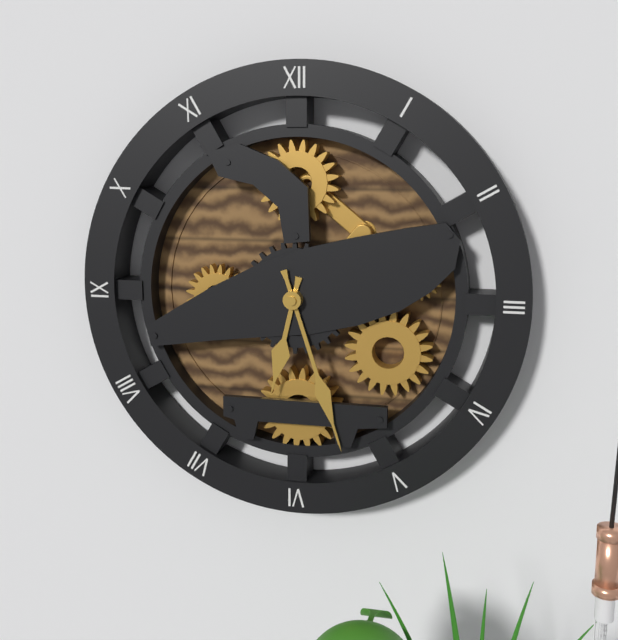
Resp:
**6:27**
